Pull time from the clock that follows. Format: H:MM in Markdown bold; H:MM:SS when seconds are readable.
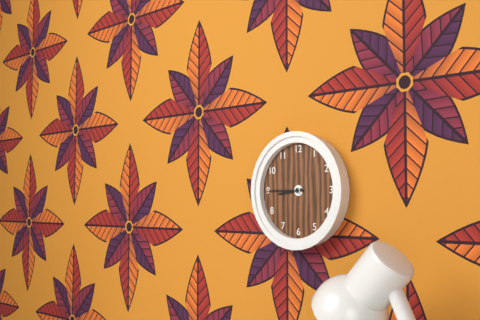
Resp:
**8:45**
